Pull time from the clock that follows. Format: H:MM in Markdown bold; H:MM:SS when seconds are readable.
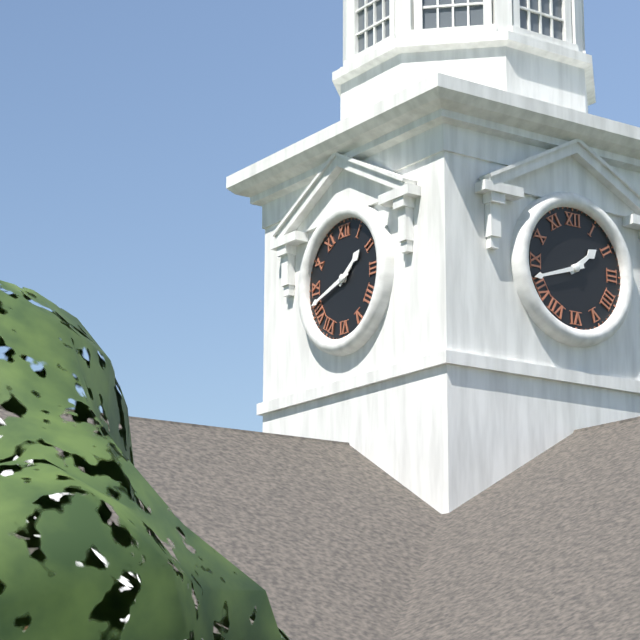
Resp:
**1:42**
